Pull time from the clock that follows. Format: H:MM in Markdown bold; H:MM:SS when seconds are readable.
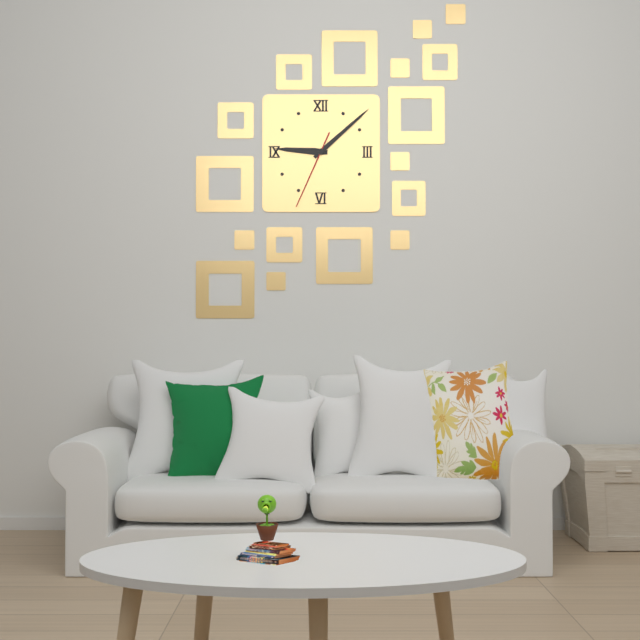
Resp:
**9:08:34**
